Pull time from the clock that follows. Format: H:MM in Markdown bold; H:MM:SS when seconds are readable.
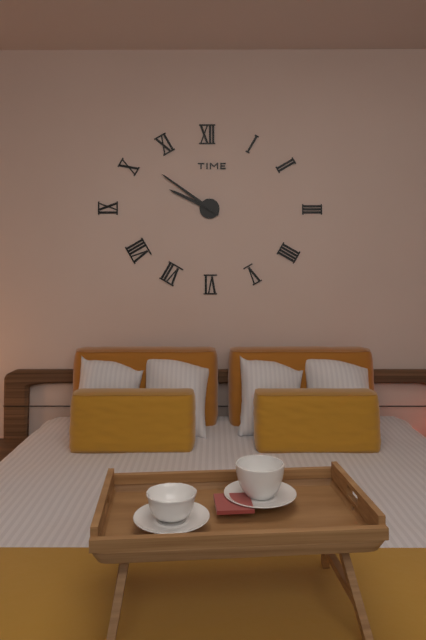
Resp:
**9:51**
